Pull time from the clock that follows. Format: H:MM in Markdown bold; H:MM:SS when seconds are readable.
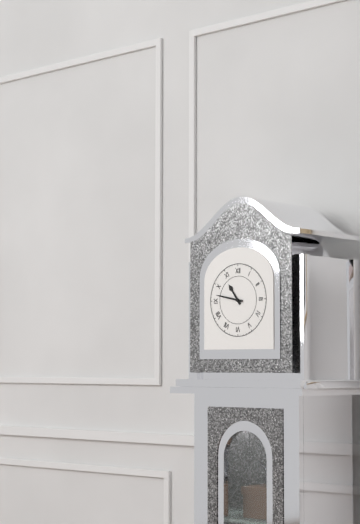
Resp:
**10:47**
